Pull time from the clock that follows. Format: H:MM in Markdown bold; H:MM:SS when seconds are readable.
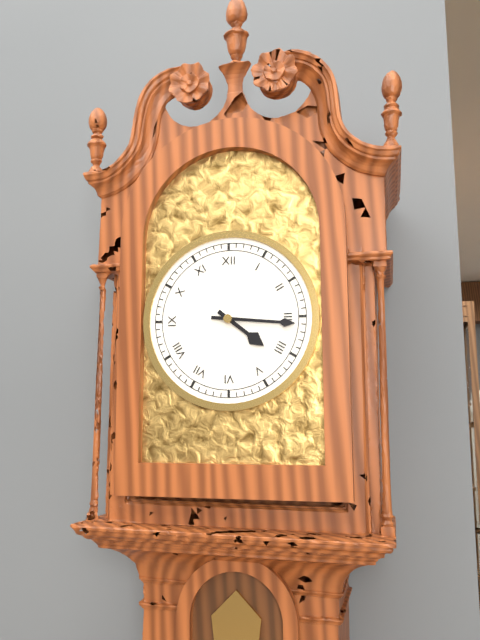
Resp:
**4:16**
